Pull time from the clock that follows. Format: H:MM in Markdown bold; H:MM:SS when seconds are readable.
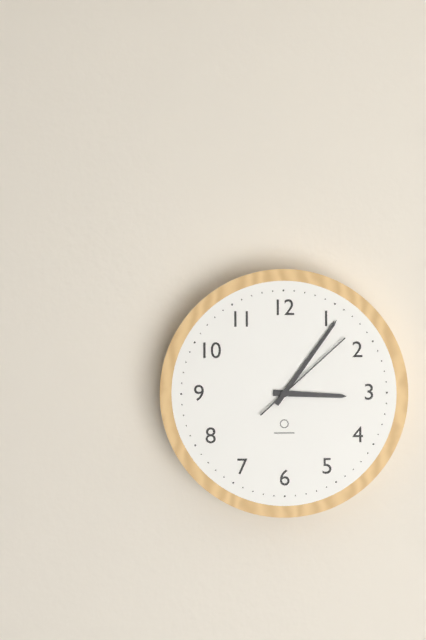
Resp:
**3:06:08**
